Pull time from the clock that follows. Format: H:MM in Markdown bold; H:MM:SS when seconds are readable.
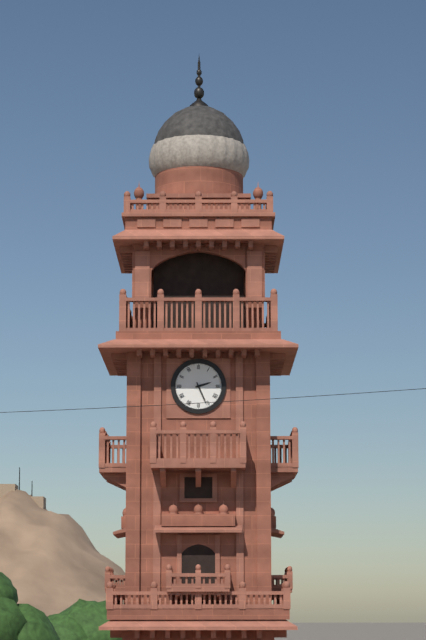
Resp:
**2:26**
